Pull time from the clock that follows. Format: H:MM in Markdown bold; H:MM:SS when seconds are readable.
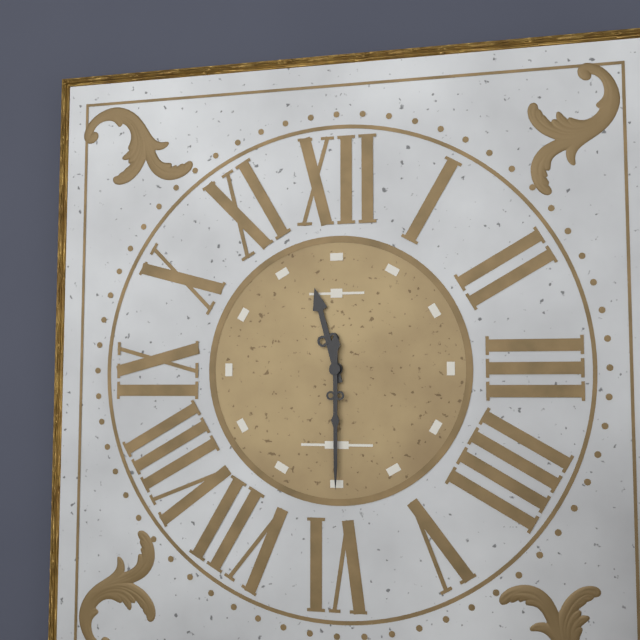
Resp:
**11:30**
